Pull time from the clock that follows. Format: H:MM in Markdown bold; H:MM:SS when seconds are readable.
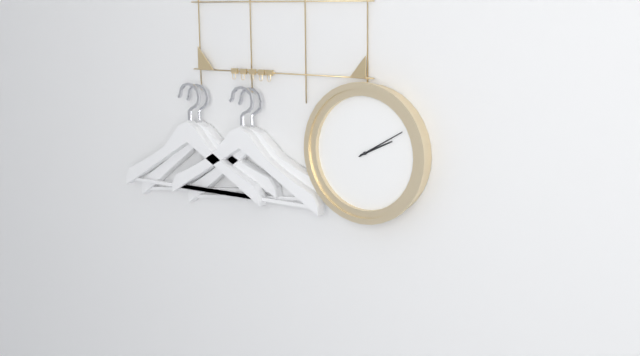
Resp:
**2:10**
